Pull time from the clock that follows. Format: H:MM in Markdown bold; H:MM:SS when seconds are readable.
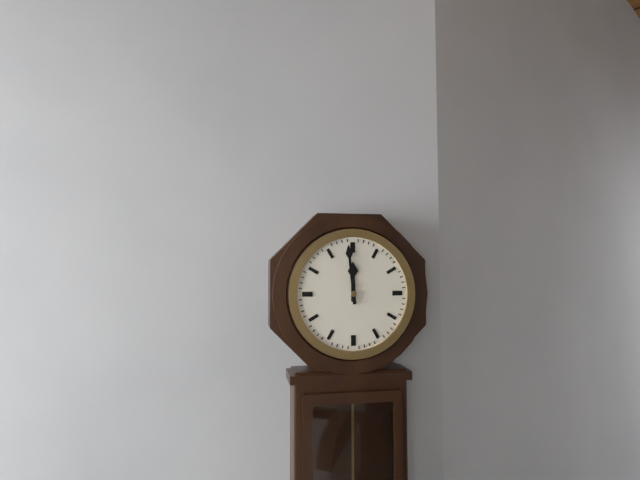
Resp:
**11:59**
